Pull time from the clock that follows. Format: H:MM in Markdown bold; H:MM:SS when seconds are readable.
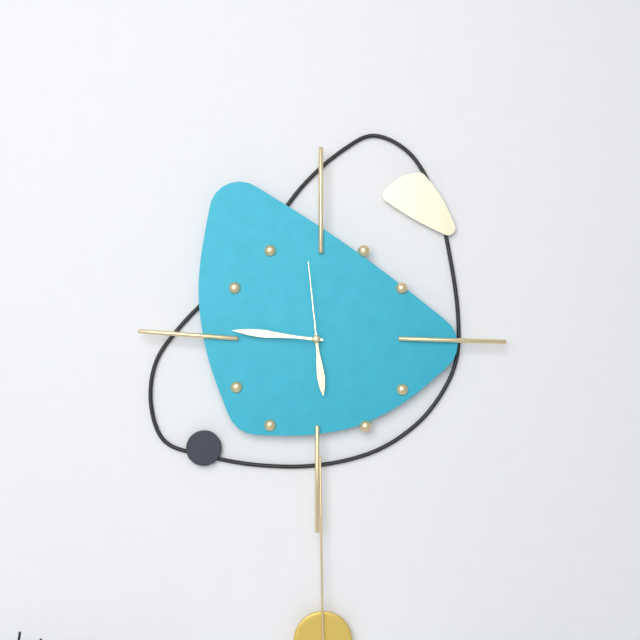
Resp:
**5:46:59**
